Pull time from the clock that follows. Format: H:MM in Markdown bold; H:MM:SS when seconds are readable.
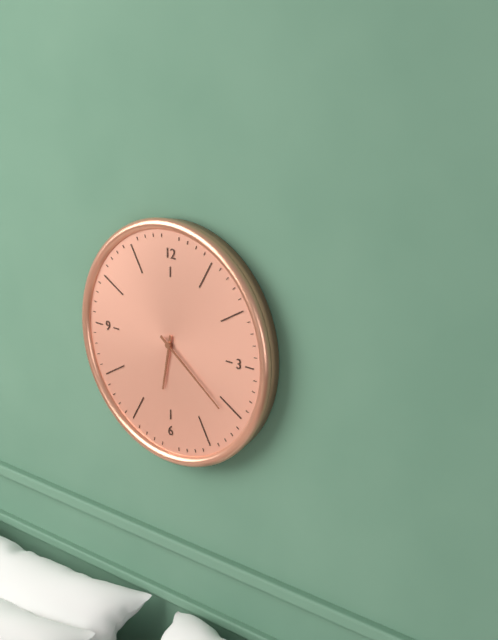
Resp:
**6:21**
